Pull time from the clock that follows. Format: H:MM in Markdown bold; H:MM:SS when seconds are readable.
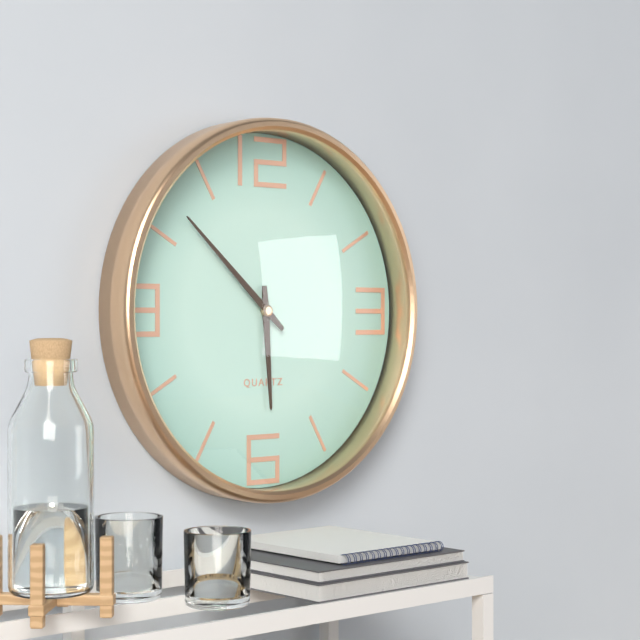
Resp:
**5:52**
